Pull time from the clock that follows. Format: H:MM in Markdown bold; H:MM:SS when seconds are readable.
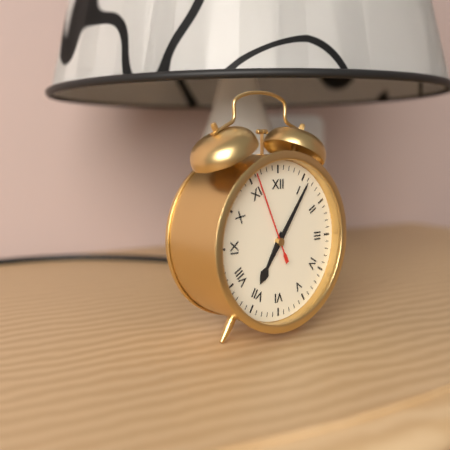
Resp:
**7:06:56**
